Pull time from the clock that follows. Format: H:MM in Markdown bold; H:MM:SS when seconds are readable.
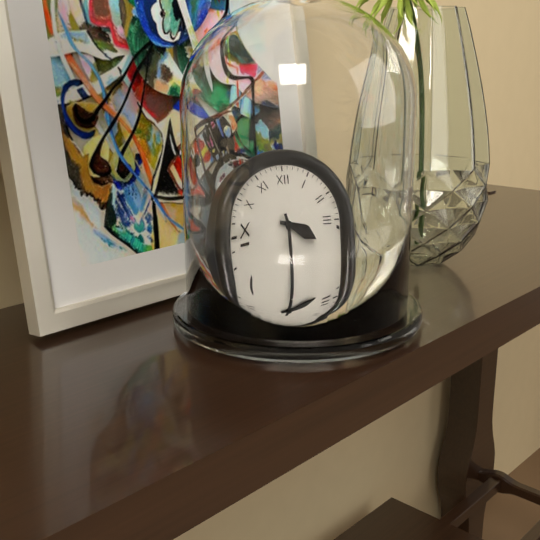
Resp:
**3:28**
